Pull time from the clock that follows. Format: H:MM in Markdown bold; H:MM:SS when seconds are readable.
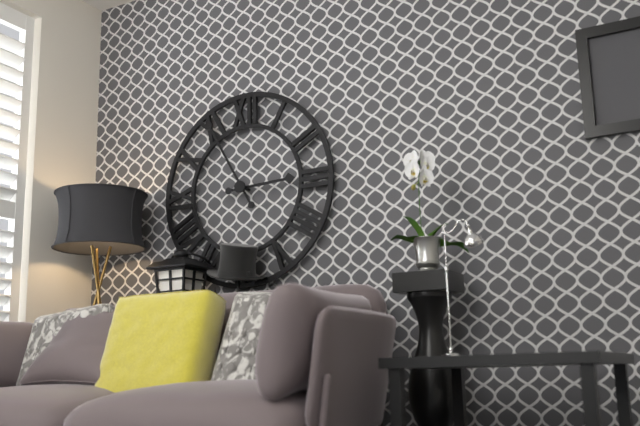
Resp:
**2:55**
